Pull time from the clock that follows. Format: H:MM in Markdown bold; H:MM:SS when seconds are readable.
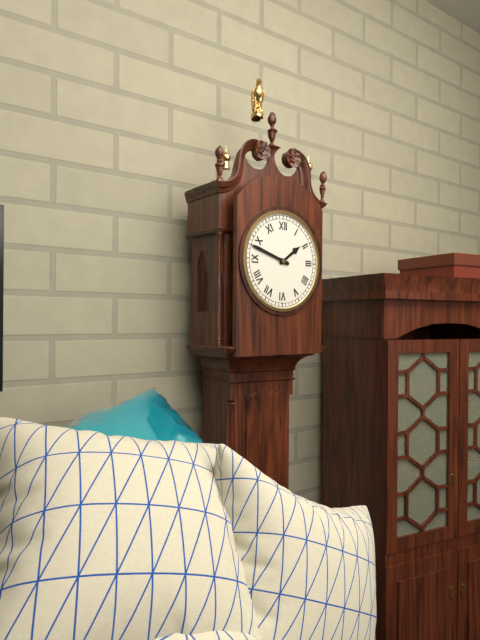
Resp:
**1:48**
